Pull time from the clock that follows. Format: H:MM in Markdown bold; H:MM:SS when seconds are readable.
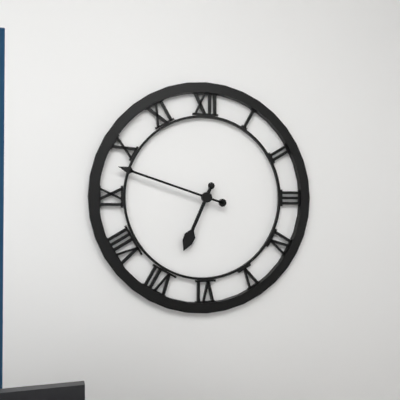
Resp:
**6:48**
